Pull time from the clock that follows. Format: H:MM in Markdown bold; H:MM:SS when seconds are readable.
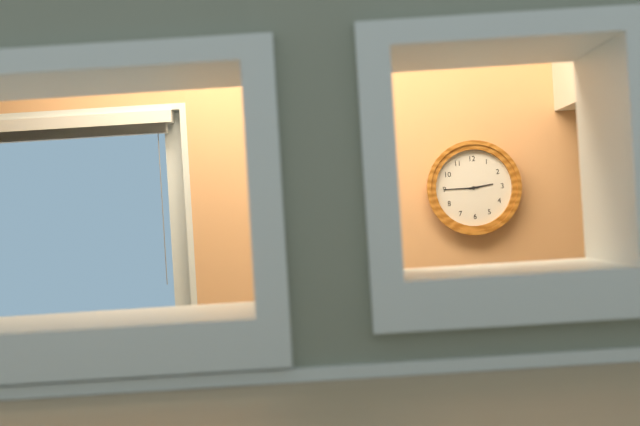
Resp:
**2:45**
